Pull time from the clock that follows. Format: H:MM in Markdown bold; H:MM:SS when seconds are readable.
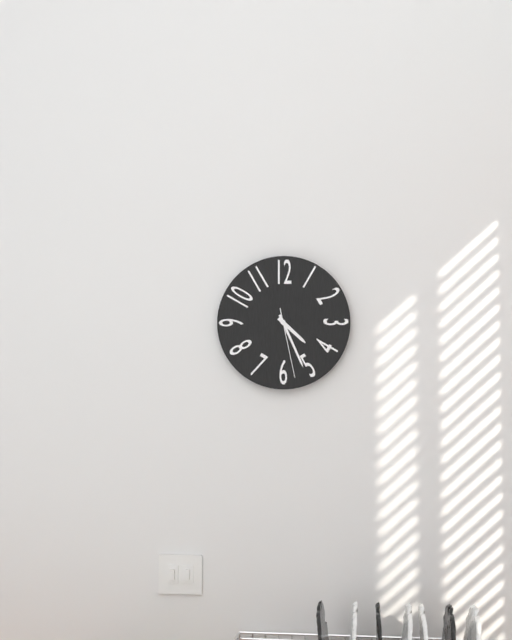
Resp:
**4:26:28**
